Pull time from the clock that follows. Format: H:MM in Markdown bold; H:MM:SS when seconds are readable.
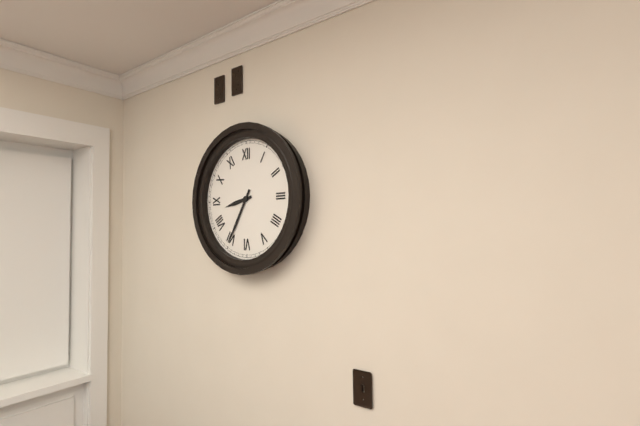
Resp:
**8:35**
